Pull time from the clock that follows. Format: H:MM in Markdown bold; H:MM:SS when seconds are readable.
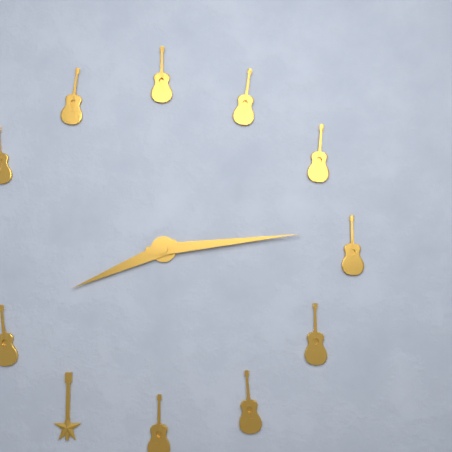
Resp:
**8:14**
